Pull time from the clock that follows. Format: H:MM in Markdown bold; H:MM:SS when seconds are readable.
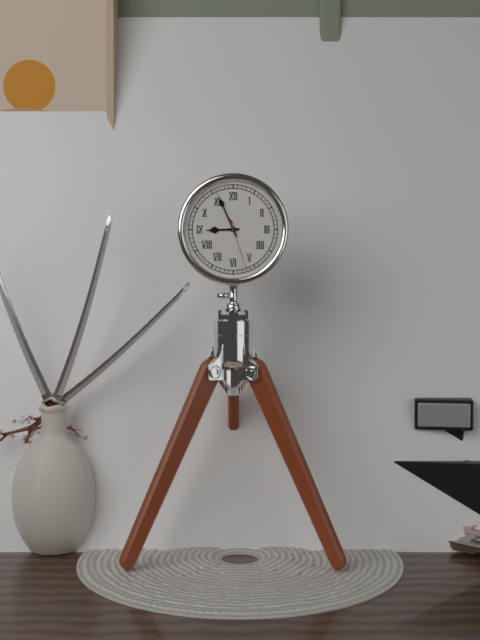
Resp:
**8:56:27**
